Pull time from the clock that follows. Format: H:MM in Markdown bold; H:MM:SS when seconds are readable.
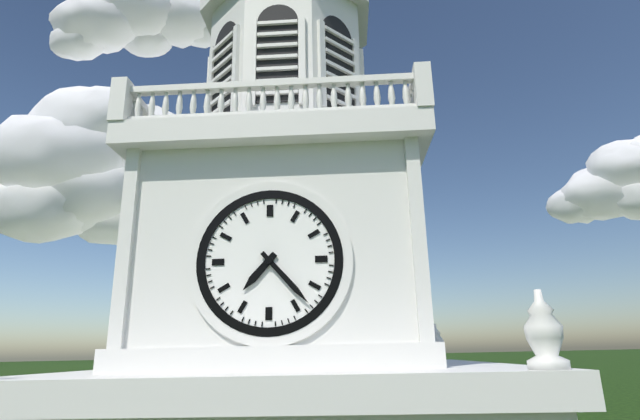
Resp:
**7:23**
